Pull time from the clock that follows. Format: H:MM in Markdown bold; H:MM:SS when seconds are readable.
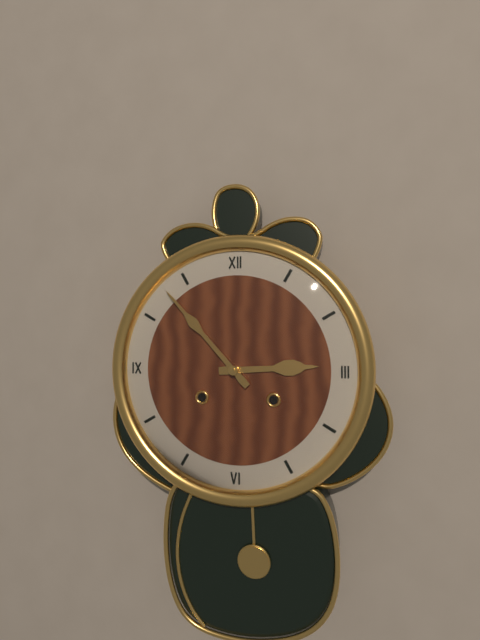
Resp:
**2:53**
